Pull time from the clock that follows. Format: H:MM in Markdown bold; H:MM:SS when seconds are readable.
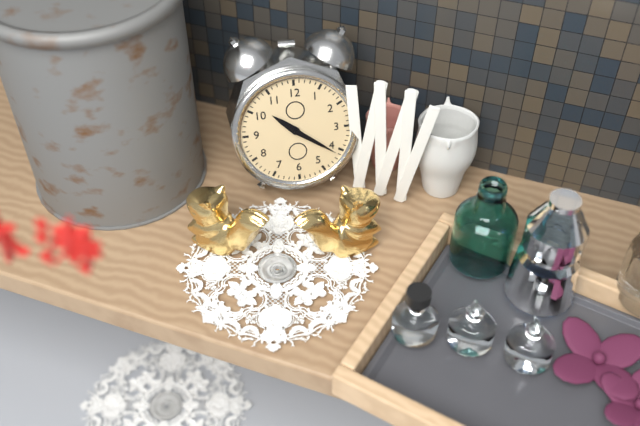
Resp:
**10:21**
